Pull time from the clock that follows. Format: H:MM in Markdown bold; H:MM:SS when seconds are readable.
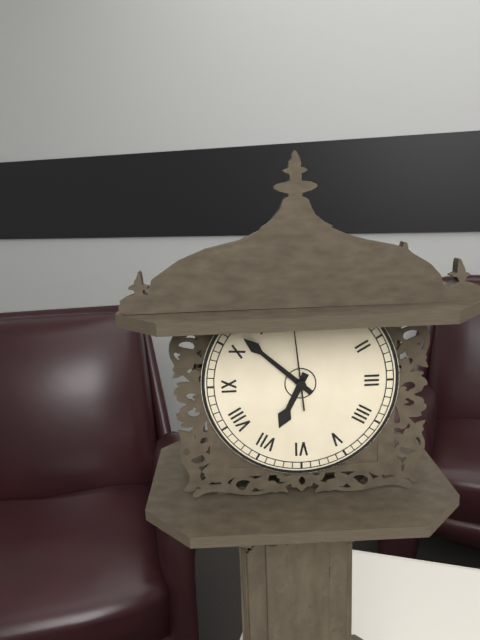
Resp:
**6:52**
